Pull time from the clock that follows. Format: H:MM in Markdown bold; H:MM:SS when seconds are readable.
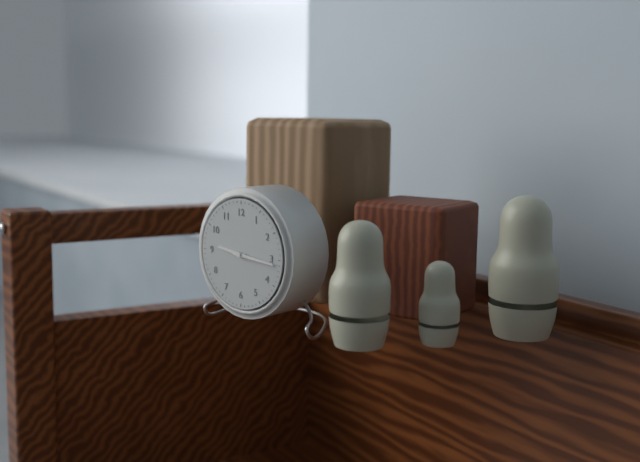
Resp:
**9:16**
